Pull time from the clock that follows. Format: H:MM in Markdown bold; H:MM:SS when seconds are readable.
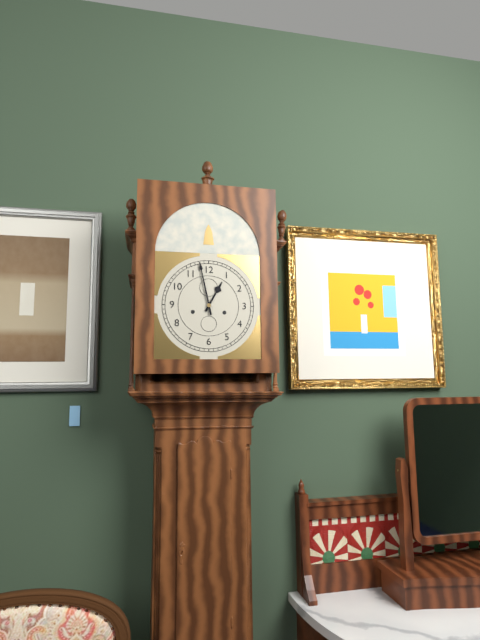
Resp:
**12:58**
